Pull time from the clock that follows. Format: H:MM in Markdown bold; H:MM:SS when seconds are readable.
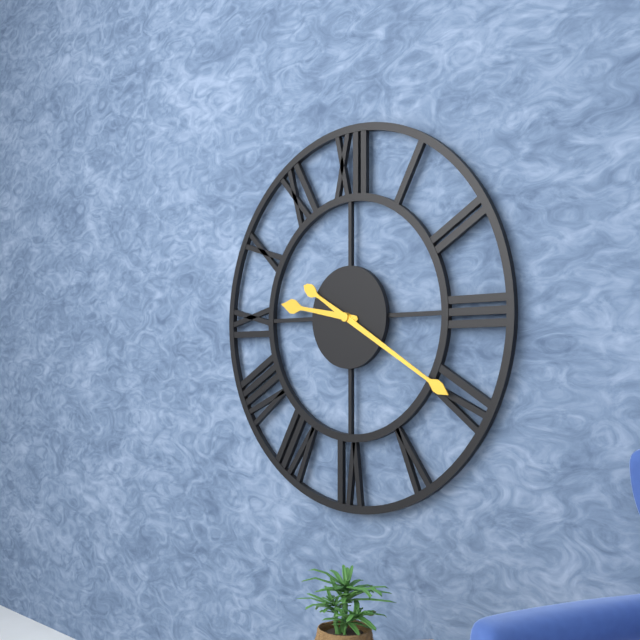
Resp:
**9:20**
